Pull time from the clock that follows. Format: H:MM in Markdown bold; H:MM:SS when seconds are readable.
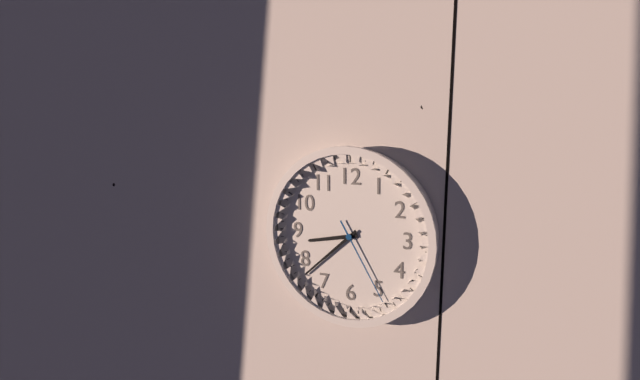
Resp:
**8:38:25**
